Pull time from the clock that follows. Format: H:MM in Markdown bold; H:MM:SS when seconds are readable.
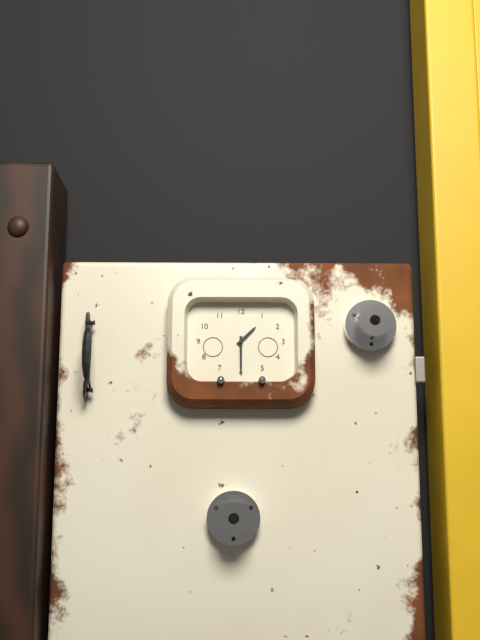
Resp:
**1:30**
